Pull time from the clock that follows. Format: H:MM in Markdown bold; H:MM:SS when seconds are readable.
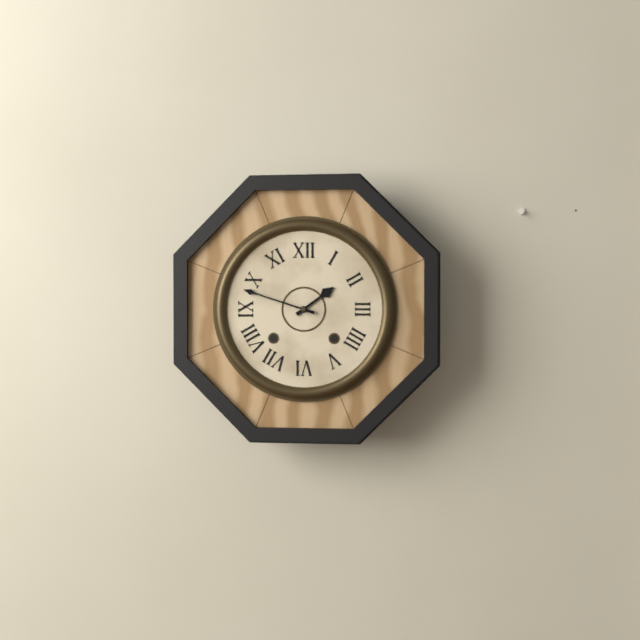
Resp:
**1:48**
